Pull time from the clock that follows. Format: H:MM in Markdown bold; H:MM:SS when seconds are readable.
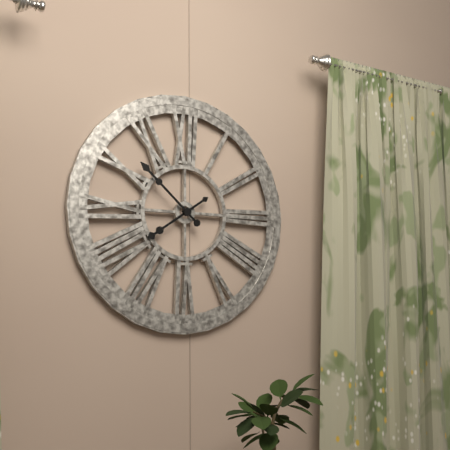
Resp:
**7:52**
